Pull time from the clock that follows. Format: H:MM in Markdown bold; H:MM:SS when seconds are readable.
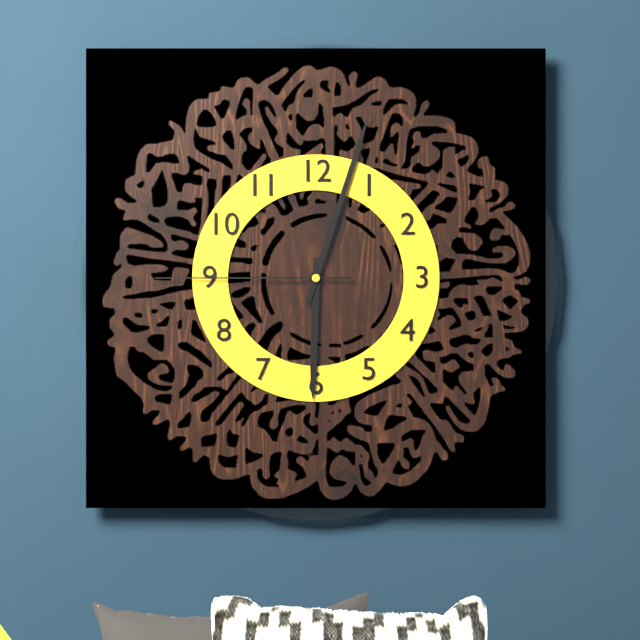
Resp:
**6:03:45**
